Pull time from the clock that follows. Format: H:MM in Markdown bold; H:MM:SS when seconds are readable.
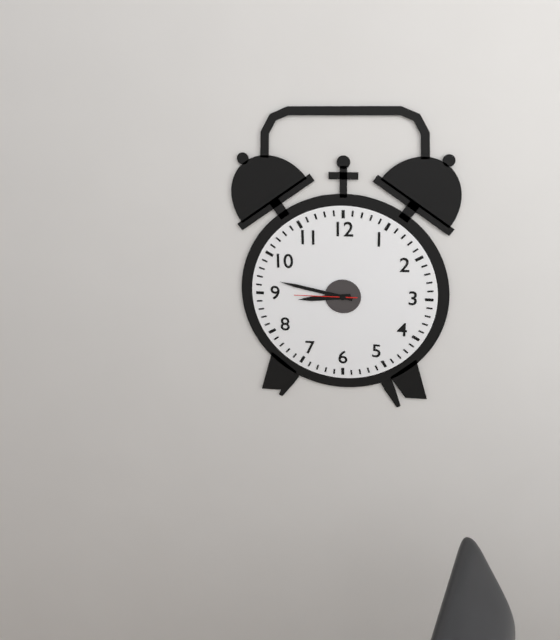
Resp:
**8:47:45**
